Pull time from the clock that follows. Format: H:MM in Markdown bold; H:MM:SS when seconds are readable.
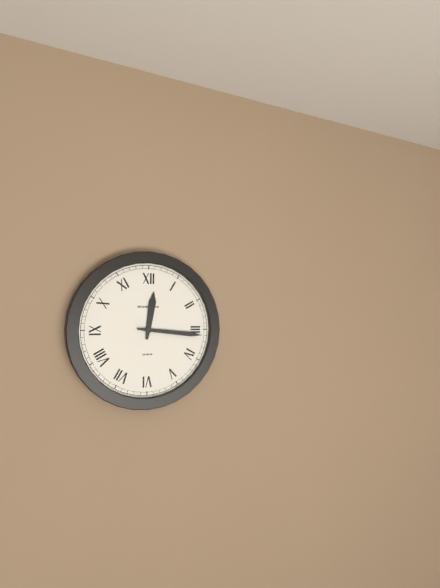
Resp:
**12:16**
